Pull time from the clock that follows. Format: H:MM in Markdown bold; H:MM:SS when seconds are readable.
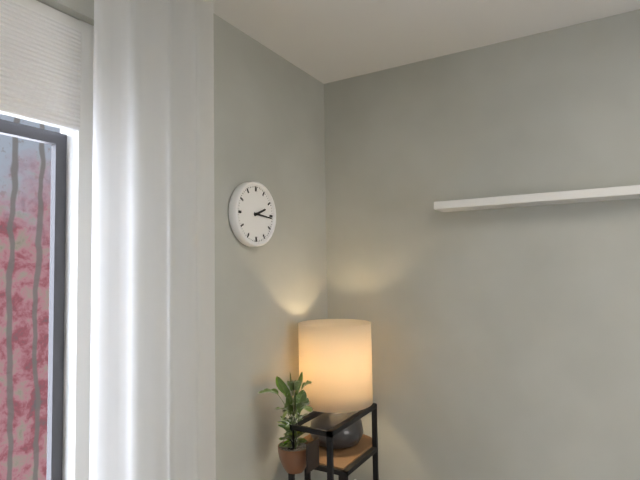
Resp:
**2:16**
